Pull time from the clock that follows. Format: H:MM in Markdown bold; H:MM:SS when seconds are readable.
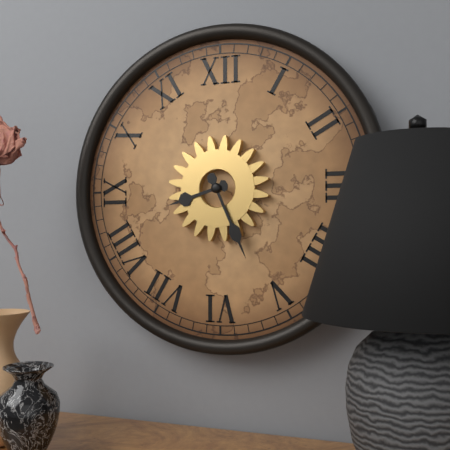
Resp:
**8:26**
